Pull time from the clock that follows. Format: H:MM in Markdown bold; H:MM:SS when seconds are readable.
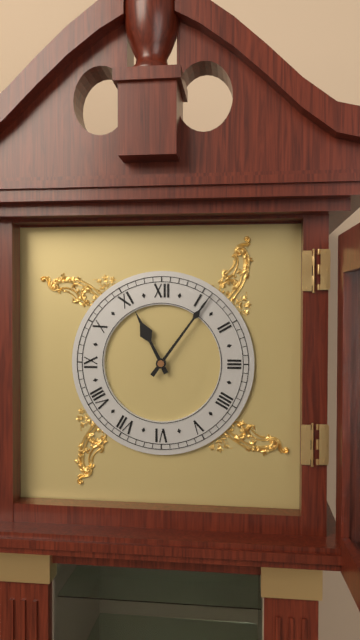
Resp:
**11:06**
